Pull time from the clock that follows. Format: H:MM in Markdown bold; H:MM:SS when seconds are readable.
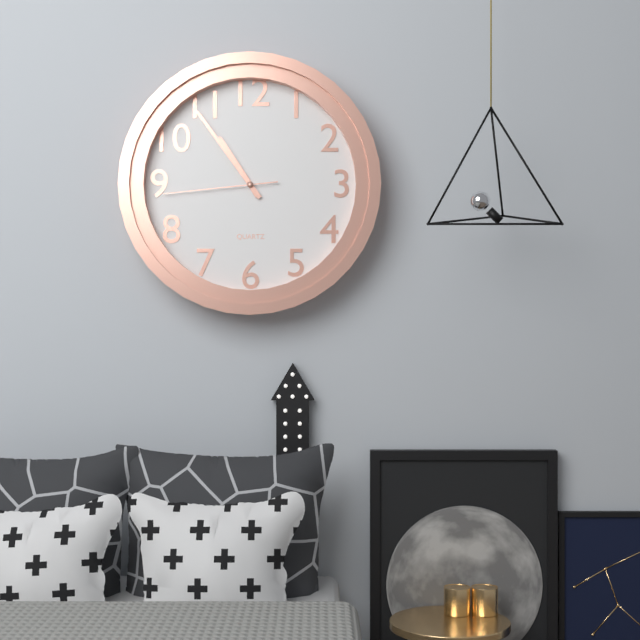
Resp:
**10:54:44**
